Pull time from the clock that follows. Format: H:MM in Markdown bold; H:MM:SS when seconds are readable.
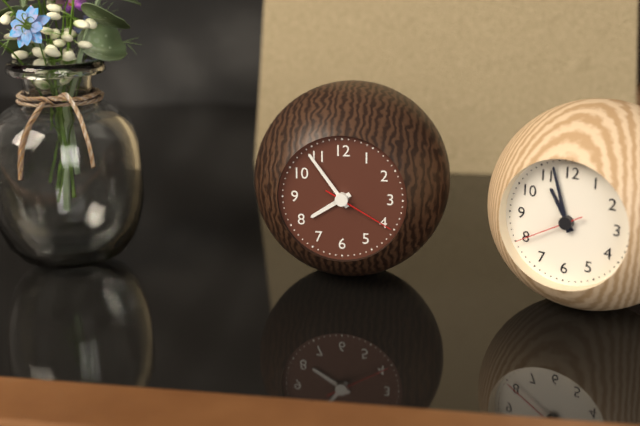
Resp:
**7:54:20**
